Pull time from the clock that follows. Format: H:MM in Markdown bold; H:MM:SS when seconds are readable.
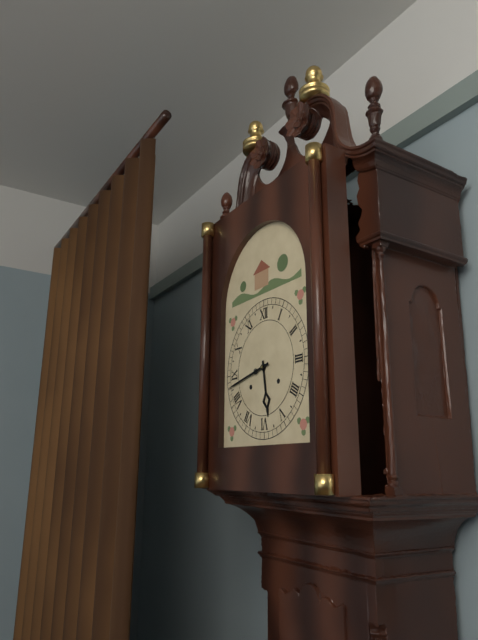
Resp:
**5:43**
